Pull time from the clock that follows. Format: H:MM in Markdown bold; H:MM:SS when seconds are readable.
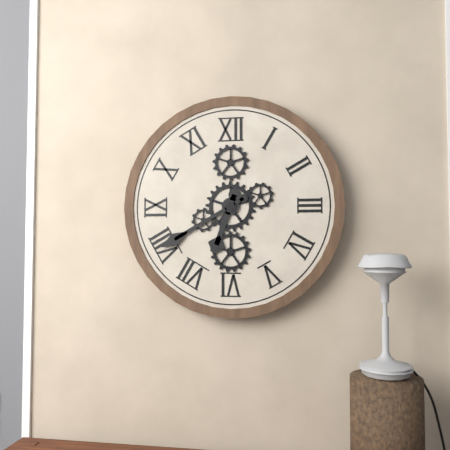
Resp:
**6:40**
